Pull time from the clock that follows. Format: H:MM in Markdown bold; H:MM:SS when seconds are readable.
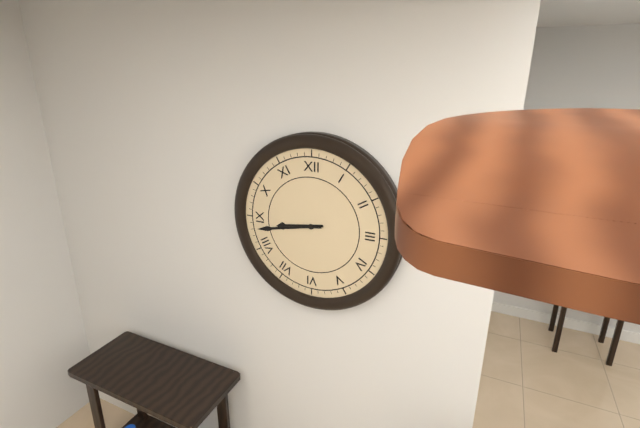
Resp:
**8:43**
